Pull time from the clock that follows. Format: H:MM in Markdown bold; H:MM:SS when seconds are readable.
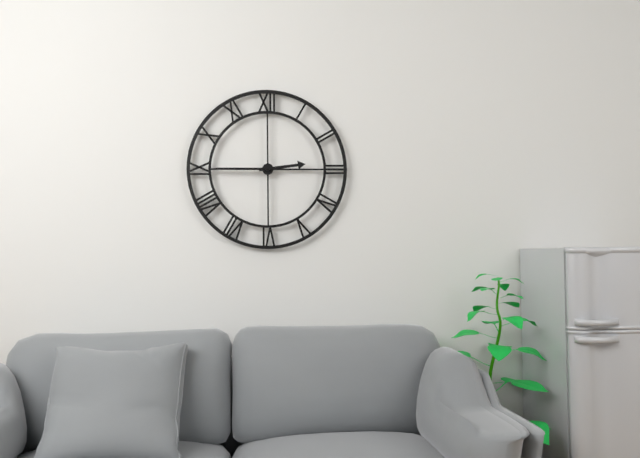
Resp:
**2:45**
